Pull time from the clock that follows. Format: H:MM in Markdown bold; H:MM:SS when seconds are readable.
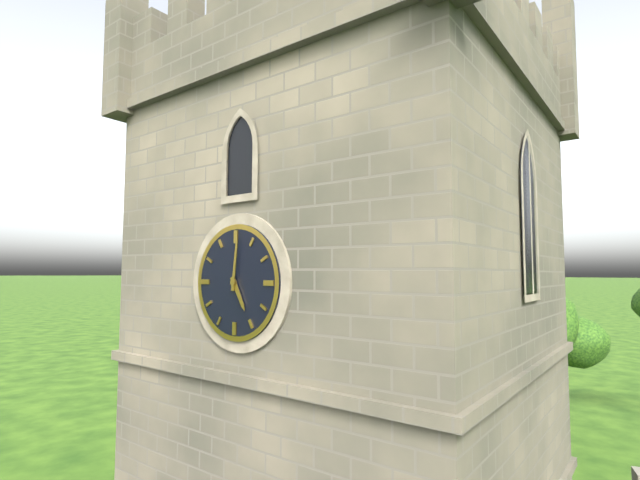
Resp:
**5:01**
